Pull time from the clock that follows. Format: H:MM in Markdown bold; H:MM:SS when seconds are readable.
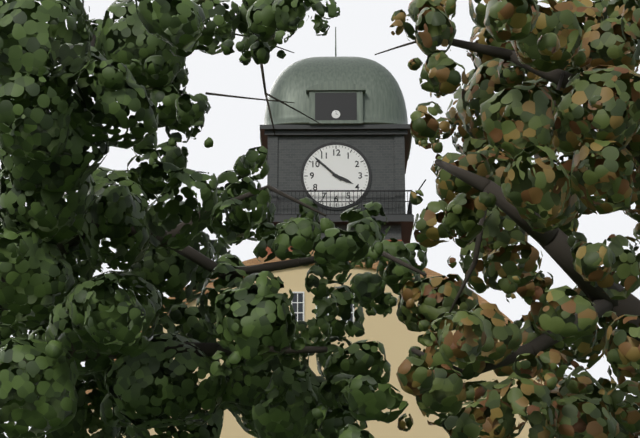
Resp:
**3:52**
